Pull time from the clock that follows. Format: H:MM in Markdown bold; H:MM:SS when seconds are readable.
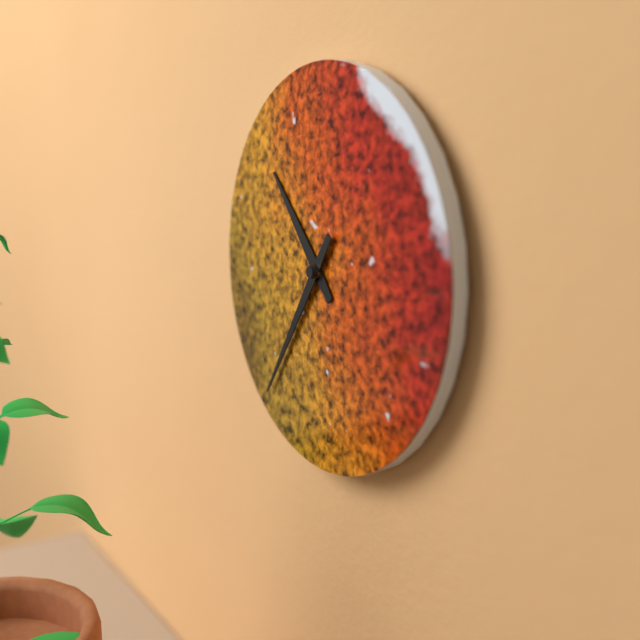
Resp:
**10:36**
